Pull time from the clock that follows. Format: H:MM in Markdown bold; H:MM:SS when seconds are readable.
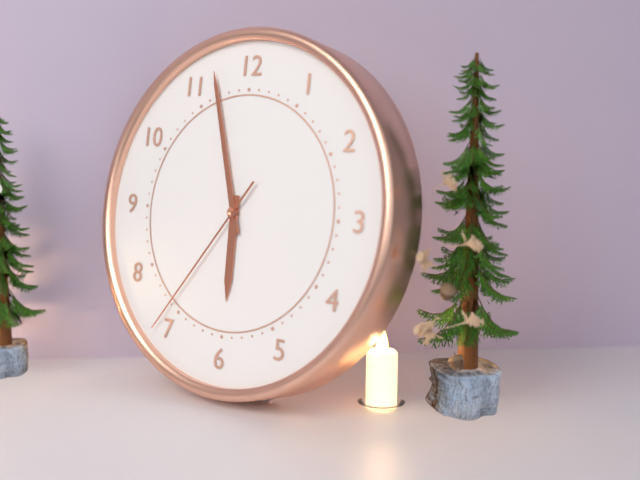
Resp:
**5:57:36**
